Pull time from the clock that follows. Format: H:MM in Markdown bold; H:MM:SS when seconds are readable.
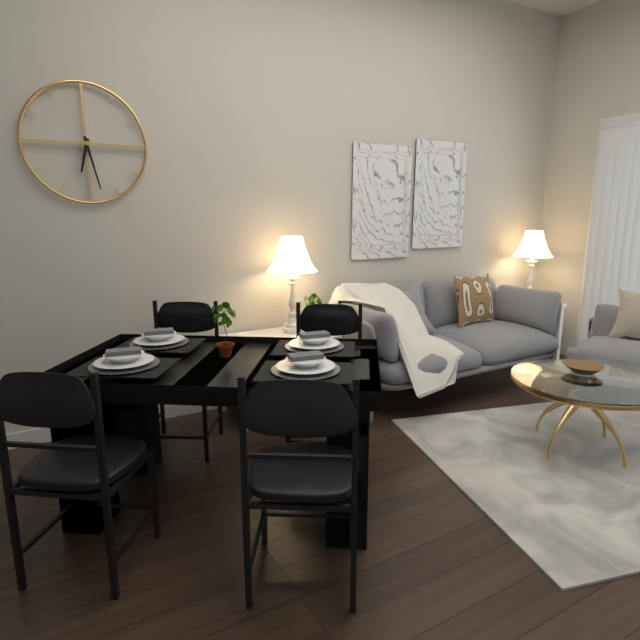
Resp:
**6:28**
